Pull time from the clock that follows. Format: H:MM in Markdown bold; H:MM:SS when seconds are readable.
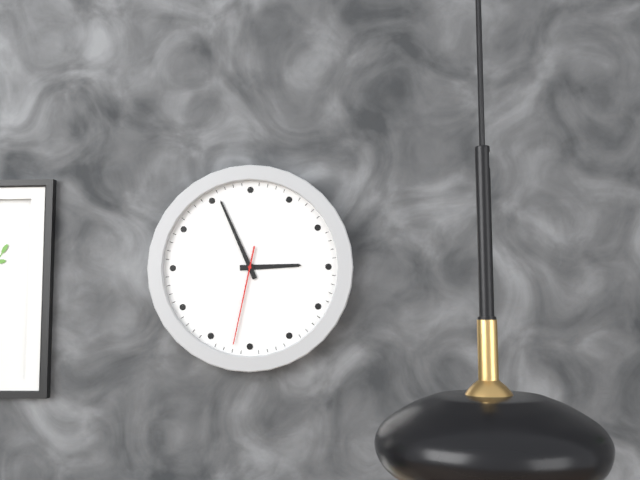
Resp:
**2:56:32**
